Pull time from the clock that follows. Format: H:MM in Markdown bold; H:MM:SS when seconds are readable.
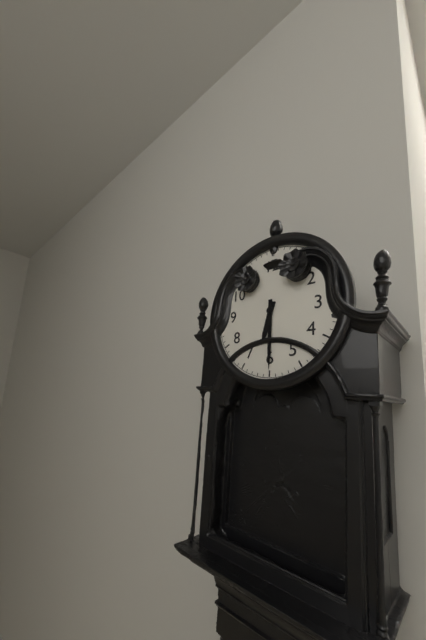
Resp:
**6:30**
